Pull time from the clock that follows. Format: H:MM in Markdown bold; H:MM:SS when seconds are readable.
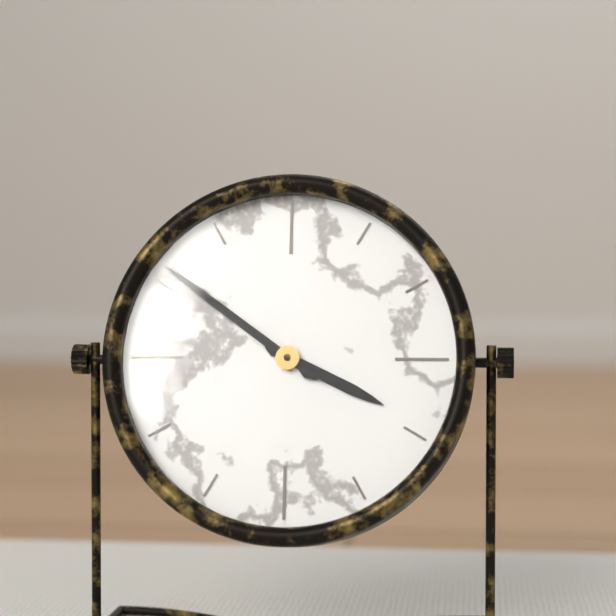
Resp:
**3:51**
